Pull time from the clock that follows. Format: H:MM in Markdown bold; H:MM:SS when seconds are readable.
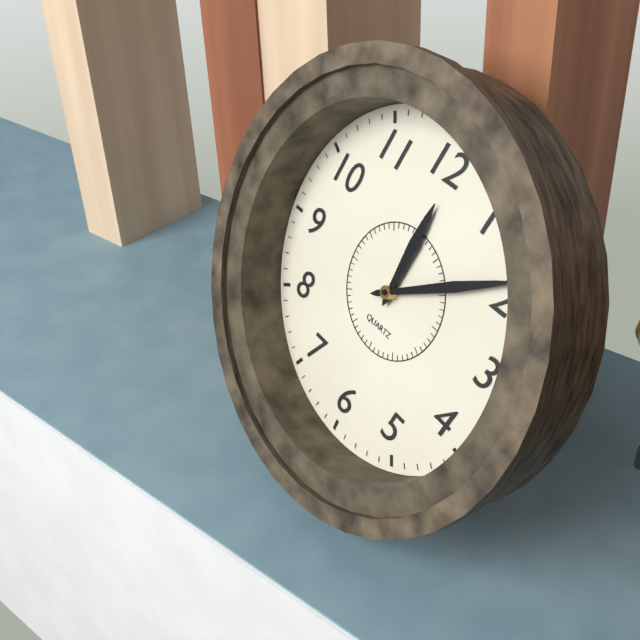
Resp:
**12:09**
